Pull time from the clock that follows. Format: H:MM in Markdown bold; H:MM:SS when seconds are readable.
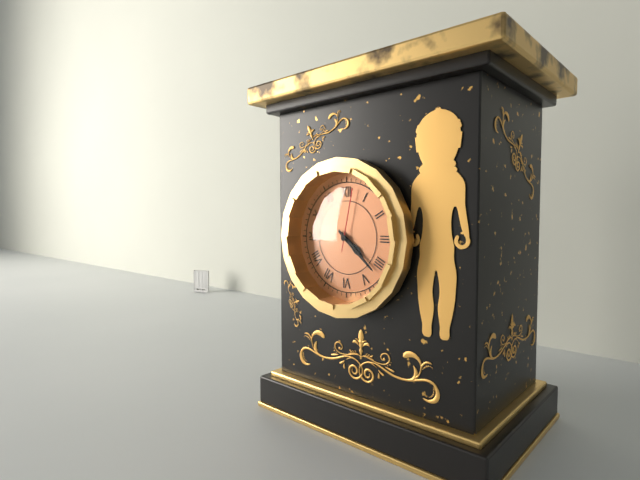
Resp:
**4:22:02**
